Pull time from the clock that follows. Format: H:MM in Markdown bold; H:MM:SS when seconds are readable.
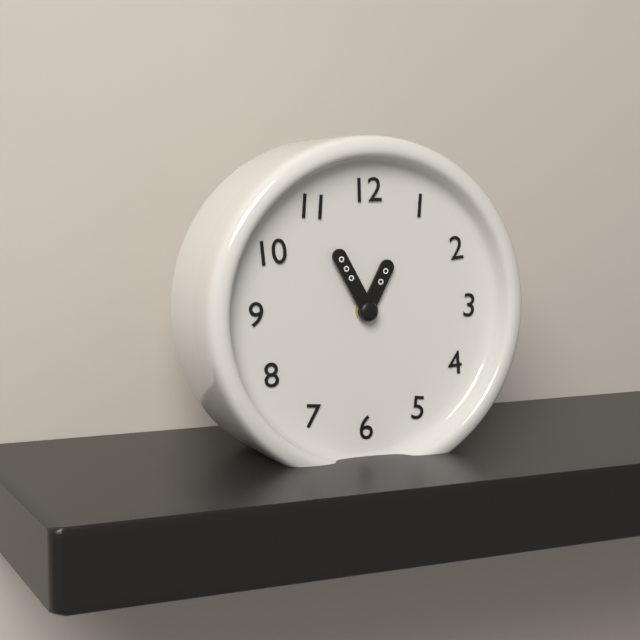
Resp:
**12:55**
